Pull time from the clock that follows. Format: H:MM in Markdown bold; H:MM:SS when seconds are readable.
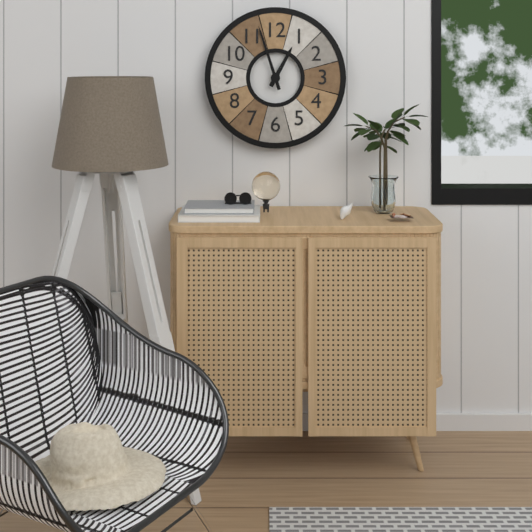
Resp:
**12:57**
